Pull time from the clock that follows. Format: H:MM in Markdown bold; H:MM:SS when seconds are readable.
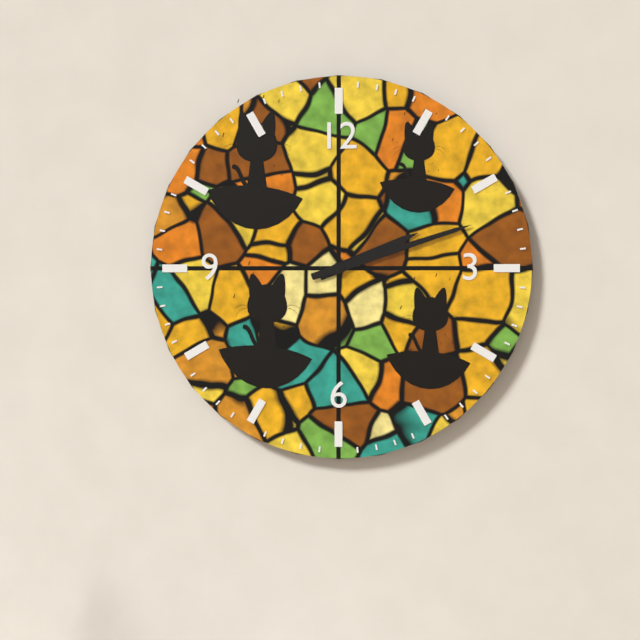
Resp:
**2:12**
